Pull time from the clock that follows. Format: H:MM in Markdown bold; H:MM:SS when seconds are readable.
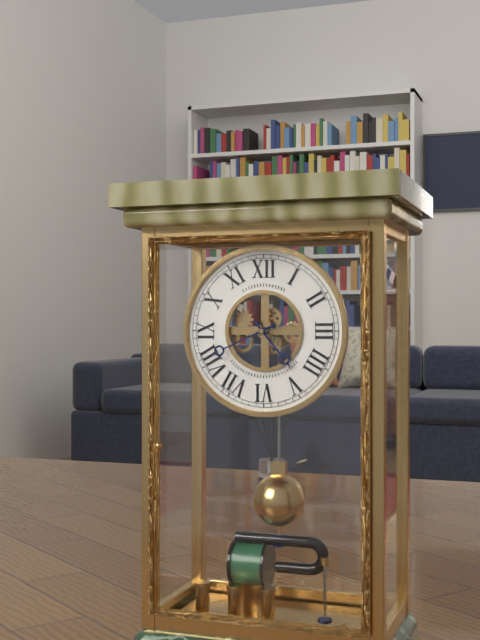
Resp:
**4:41**
